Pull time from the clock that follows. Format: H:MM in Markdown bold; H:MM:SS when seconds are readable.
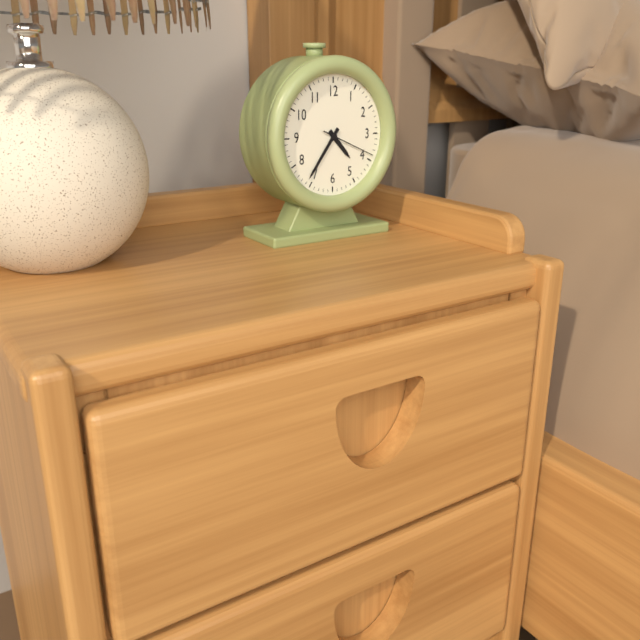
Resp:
**4:36:19**
